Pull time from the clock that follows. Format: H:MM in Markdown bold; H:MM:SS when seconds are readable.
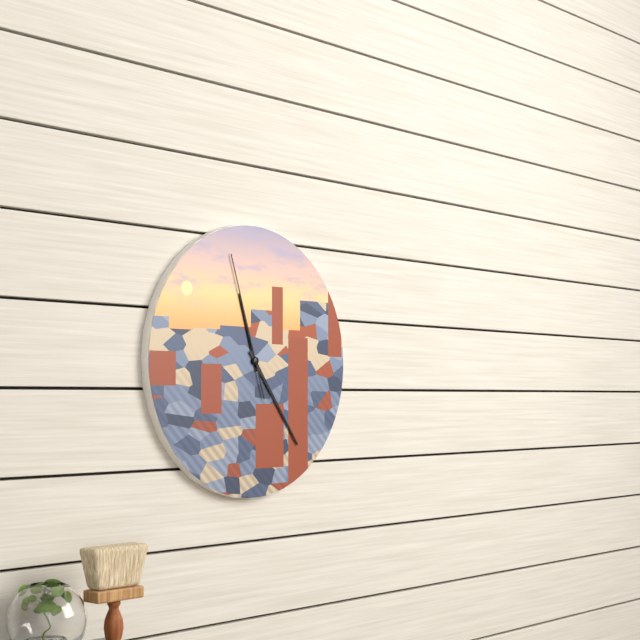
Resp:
**11:24:57**
